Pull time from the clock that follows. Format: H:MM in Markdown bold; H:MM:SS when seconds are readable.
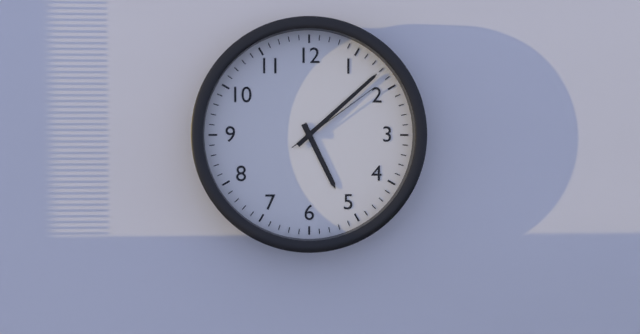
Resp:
**5:08:09**
